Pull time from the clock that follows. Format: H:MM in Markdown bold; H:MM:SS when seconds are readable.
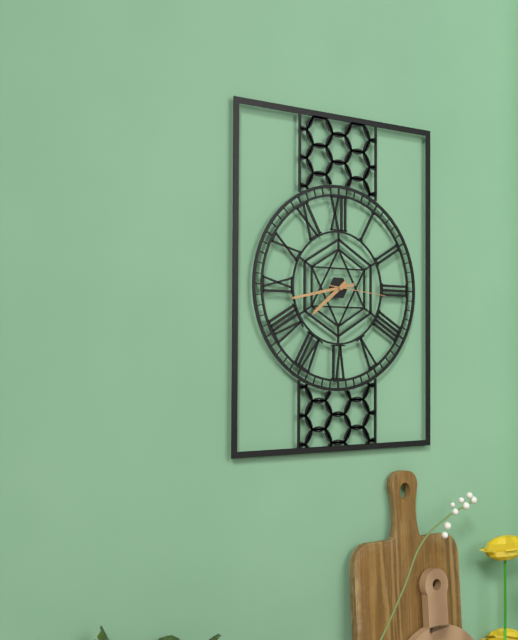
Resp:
**7:43:16**
